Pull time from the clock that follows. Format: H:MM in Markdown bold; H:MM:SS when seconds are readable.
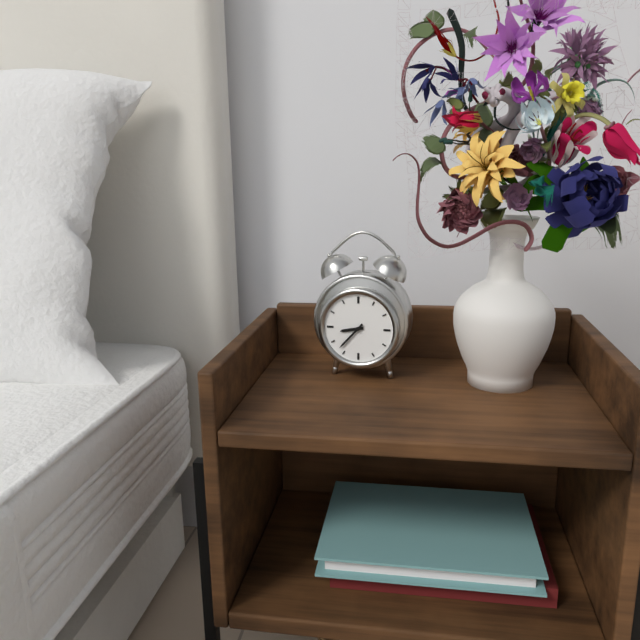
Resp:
**8:37**
